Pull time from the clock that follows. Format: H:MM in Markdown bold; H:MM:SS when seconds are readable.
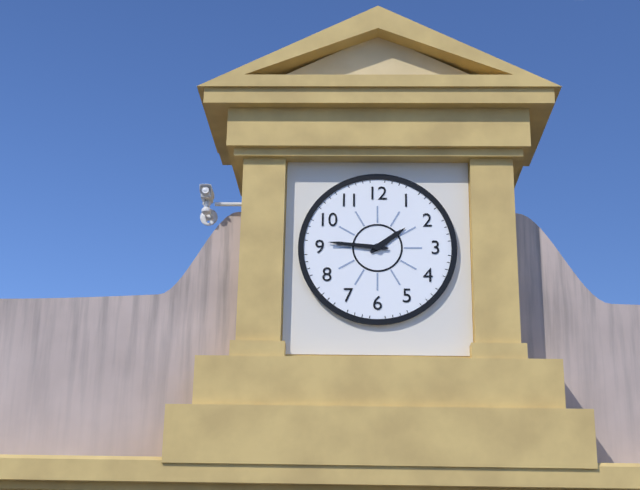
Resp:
**1:46**
